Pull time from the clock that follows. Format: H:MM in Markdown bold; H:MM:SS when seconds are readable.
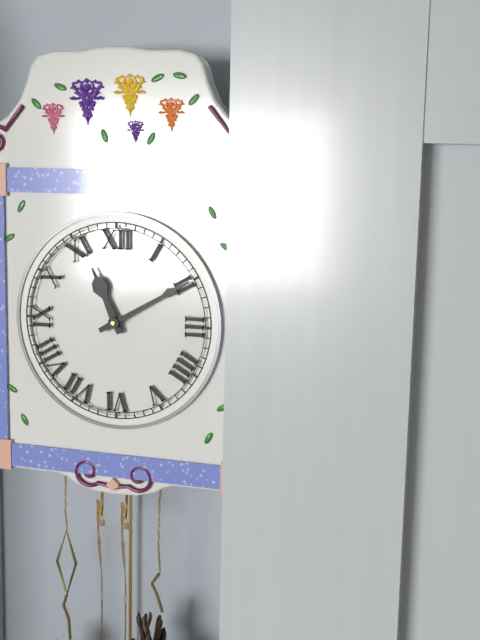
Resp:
**11:10**
